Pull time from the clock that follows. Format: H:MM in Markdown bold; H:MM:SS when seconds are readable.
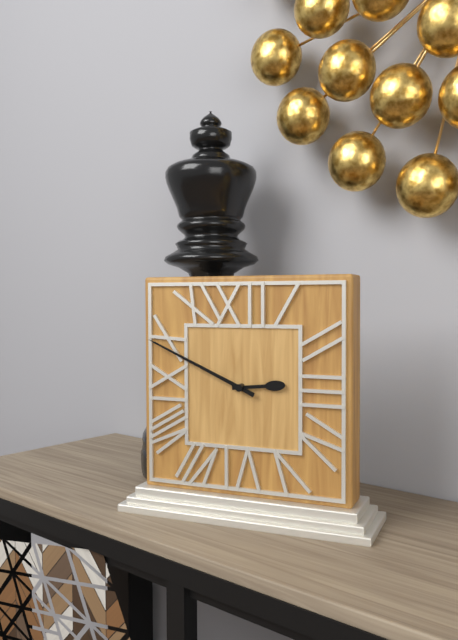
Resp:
**2:49**
